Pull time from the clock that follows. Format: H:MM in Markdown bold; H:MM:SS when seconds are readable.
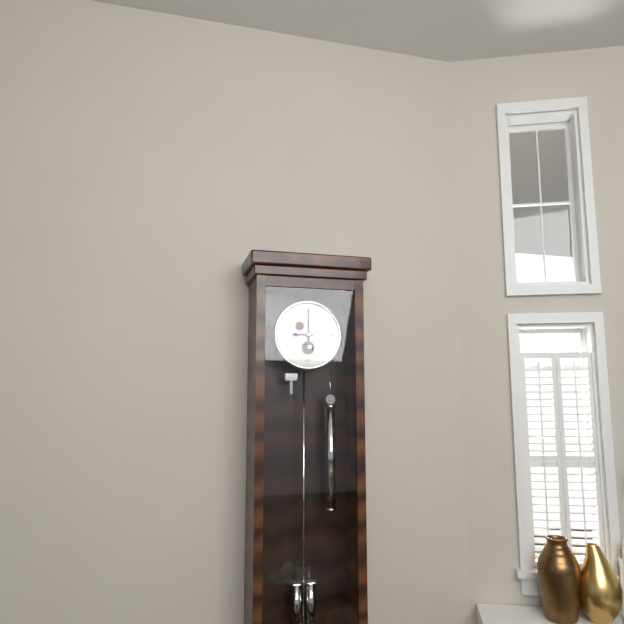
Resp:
**9:00**
